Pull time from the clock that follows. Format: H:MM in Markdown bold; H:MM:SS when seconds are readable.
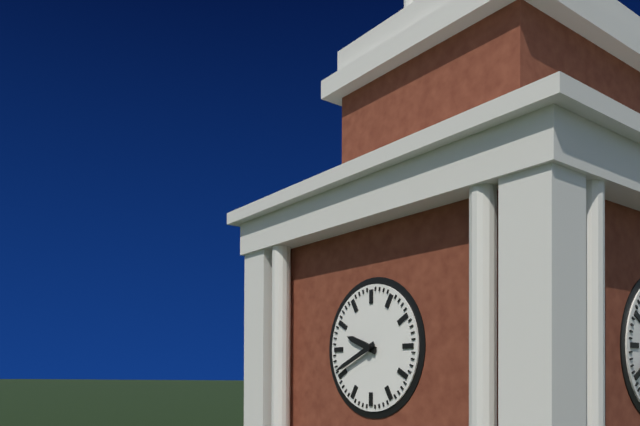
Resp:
**9:41**
